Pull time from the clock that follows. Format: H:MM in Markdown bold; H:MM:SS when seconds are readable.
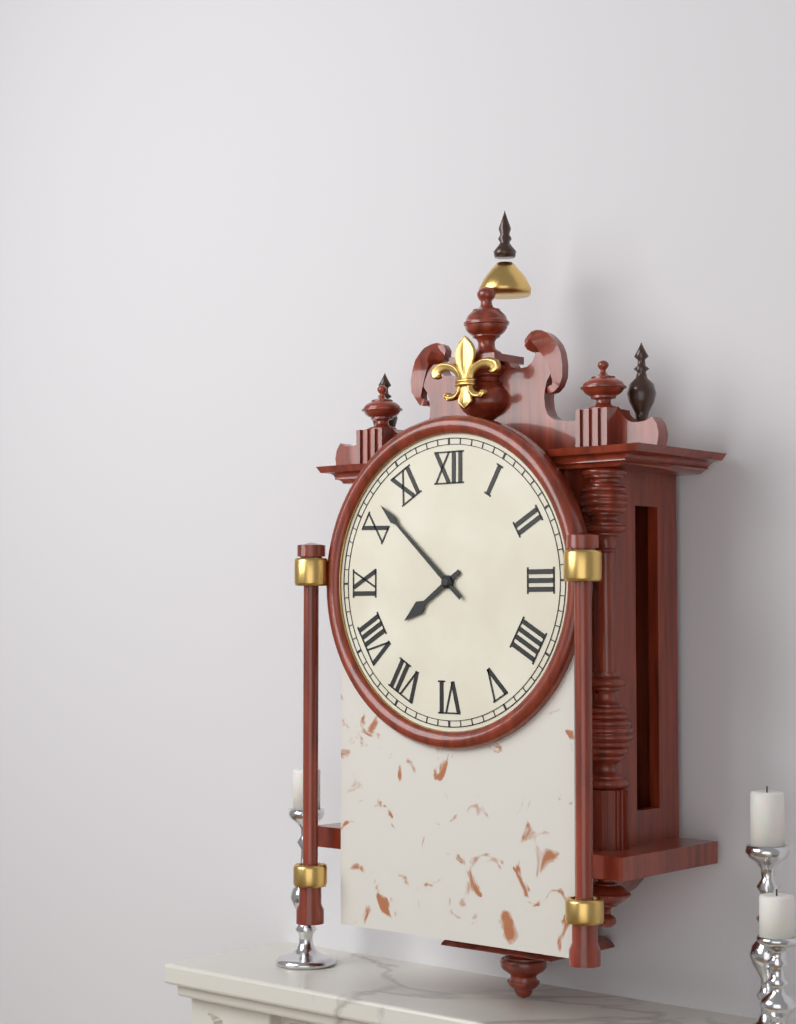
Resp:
**7:52**
